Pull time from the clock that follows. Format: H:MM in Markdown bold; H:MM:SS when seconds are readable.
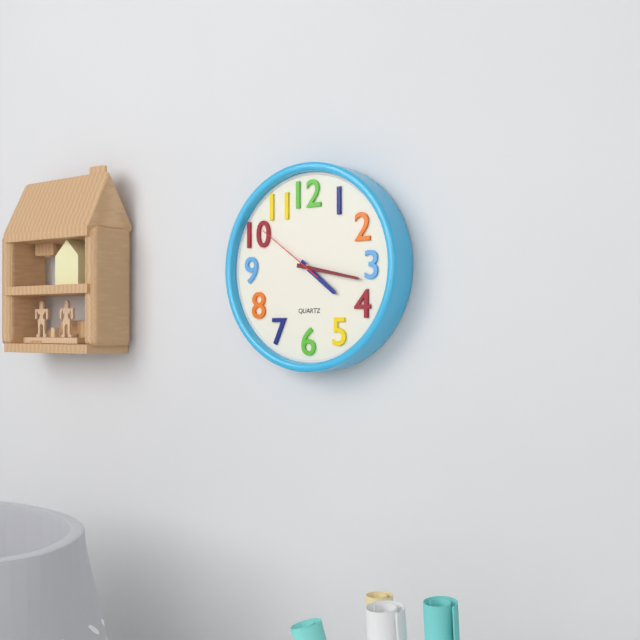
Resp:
**4:17:51**
